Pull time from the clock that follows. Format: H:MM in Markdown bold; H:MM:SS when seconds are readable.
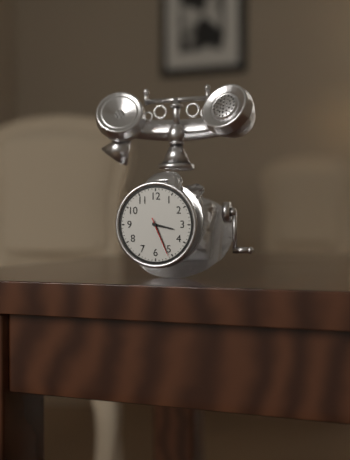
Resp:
**3:26**
